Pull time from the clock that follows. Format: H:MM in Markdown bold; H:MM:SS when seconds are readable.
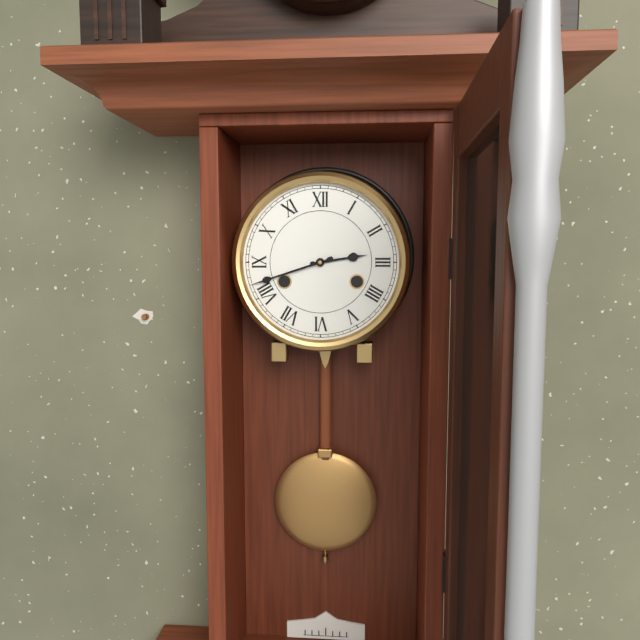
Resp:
**2:42**
